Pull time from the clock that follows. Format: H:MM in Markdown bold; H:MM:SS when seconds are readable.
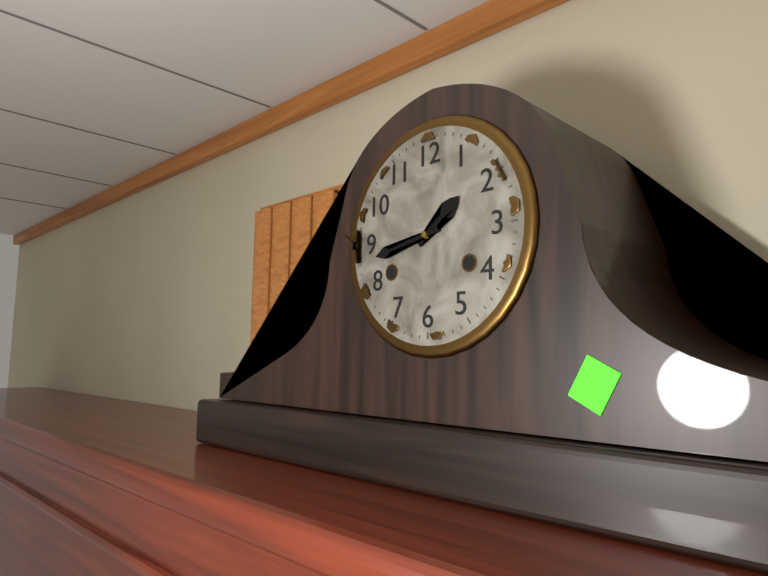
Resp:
**1:43**
